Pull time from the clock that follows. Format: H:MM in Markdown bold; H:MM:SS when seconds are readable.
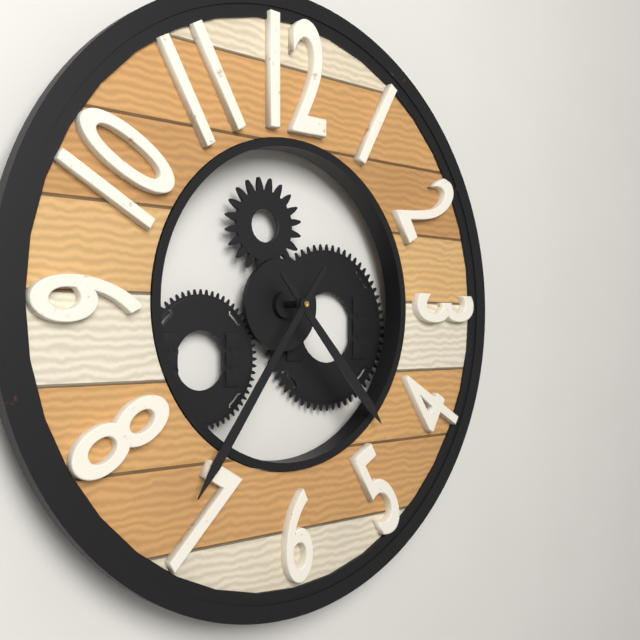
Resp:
**4:36**
